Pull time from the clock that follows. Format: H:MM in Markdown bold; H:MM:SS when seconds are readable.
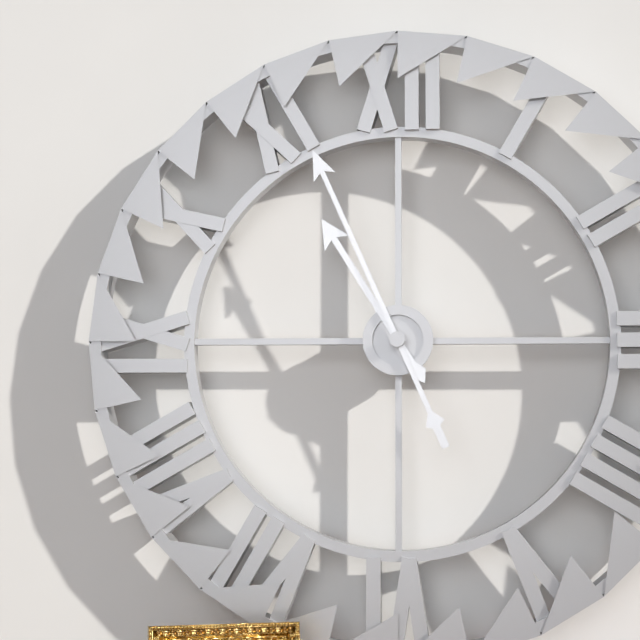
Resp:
**10:56**
